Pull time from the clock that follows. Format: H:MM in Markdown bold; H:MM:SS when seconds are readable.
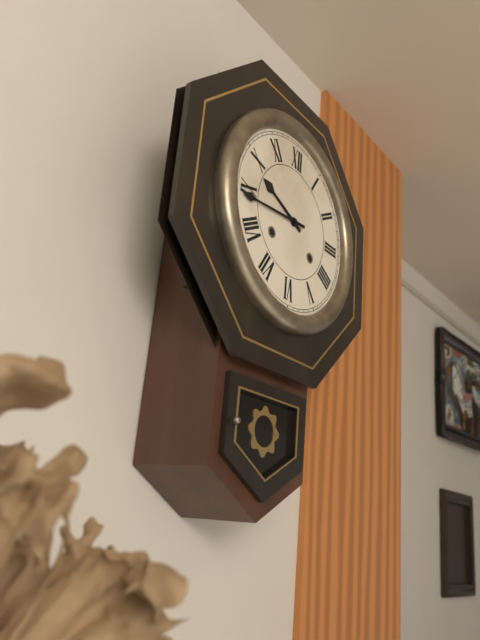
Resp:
**9:44**
